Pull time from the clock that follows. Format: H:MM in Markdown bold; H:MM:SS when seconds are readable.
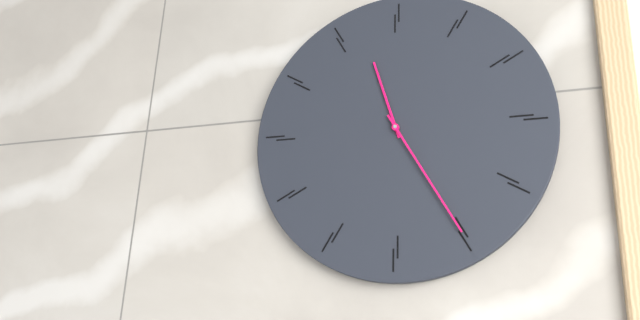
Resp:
**11:25**
